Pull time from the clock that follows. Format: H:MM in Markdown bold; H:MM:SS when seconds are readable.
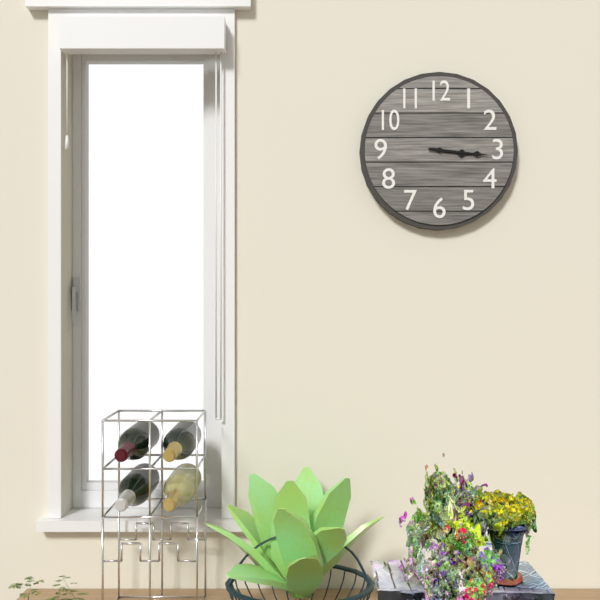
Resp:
**3:16**
